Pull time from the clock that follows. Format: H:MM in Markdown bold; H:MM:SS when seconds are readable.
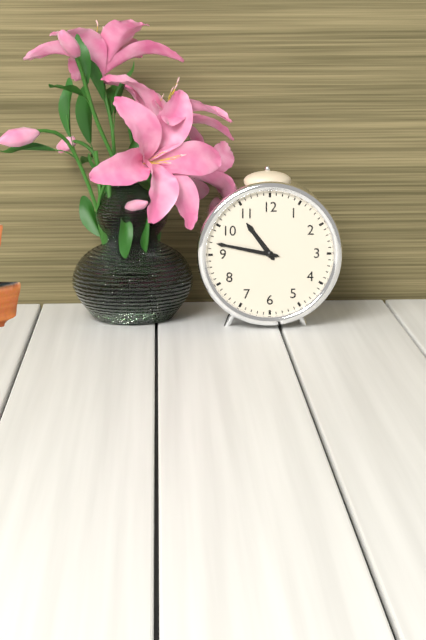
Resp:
**10:47**
